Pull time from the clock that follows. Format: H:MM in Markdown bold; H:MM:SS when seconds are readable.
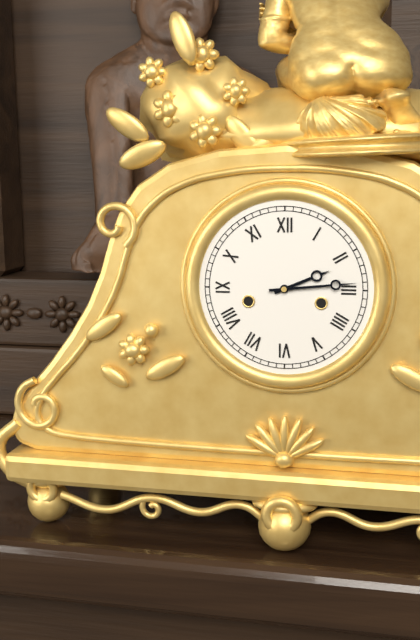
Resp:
**2:14**
